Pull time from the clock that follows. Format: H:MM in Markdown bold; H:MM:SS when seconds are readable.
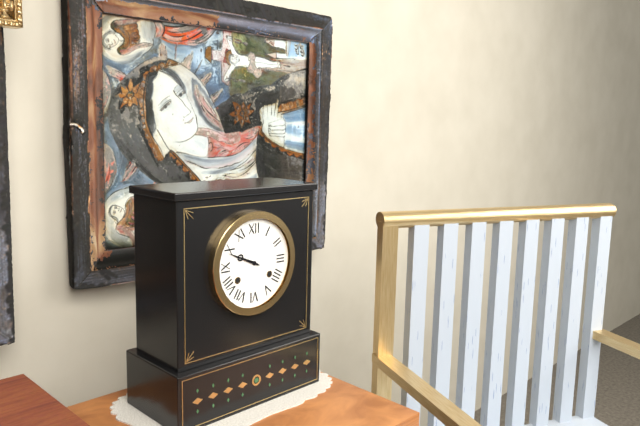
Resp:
**9:49**
